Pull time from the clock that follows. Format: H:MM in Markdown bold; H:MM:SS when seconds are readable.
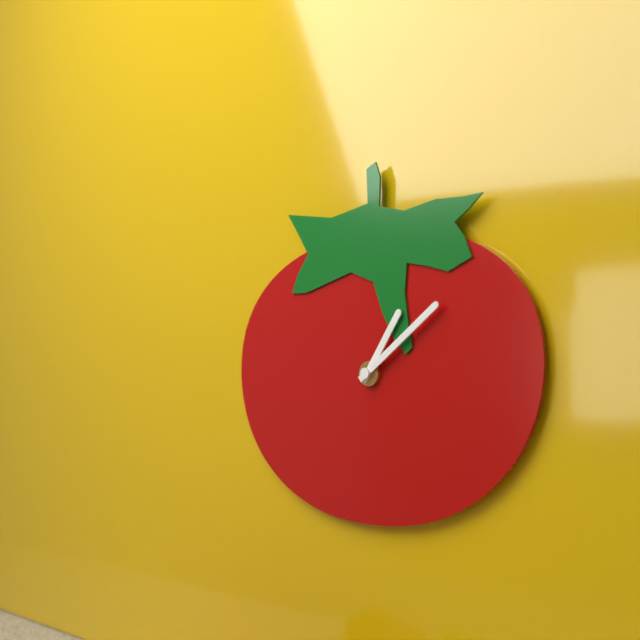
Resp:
**1:09**
